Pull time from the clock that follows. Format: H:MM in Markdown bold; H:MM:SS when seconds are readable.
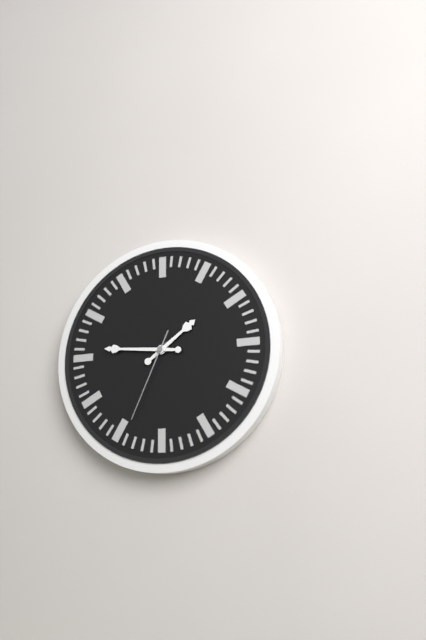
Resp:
**1:46:34**
